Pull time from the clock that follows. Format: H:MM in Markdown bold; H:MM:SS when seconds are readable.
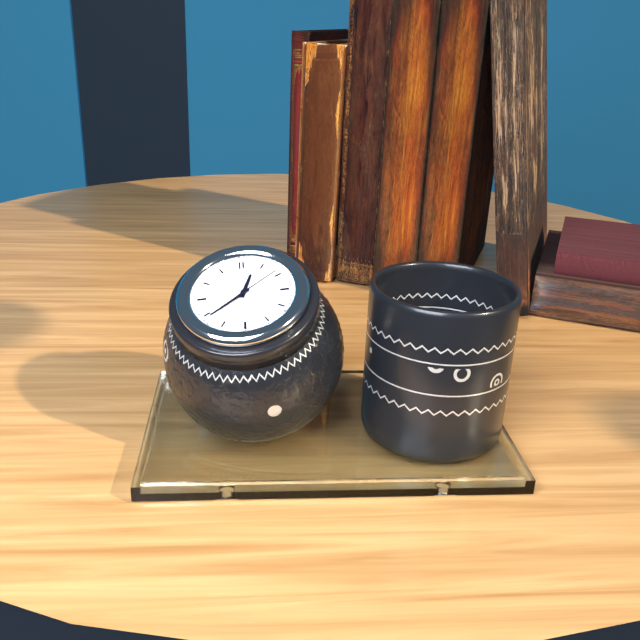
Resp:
**12:39:09**
